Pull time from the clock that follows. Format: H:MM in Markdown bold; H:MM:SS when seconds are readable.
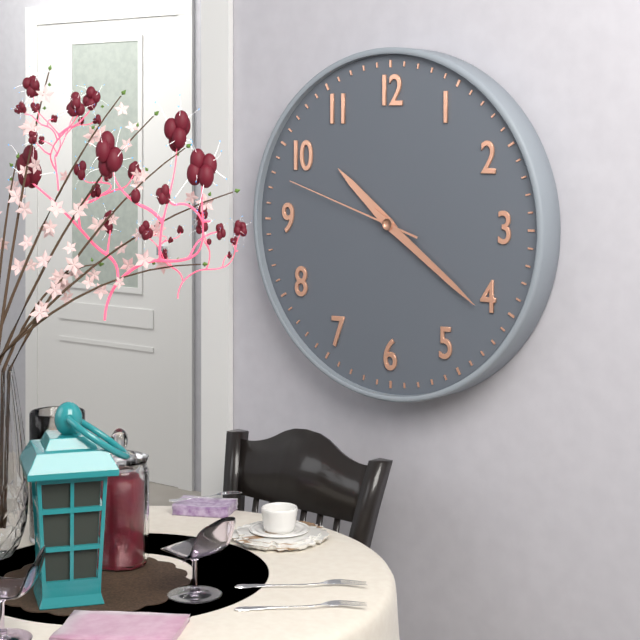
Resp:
**10:21:48**
